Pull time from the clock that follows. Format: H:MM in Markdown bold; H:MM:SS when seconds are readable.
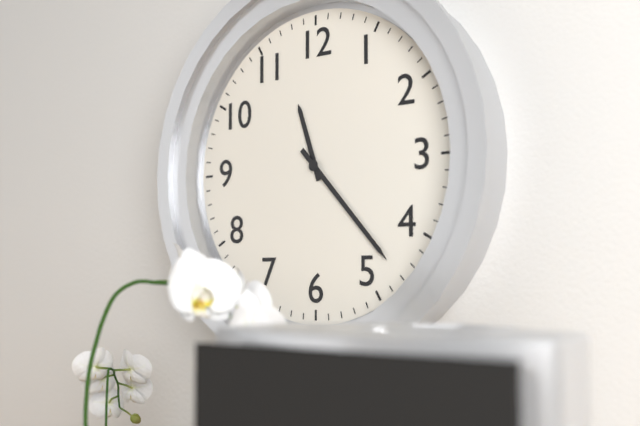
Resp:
**11:23**
